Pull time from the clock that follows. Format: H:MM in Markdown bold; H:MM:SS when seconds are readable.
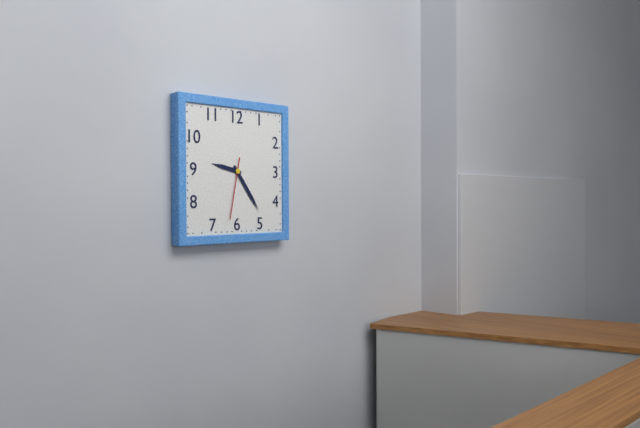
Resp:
**9:24:32**
